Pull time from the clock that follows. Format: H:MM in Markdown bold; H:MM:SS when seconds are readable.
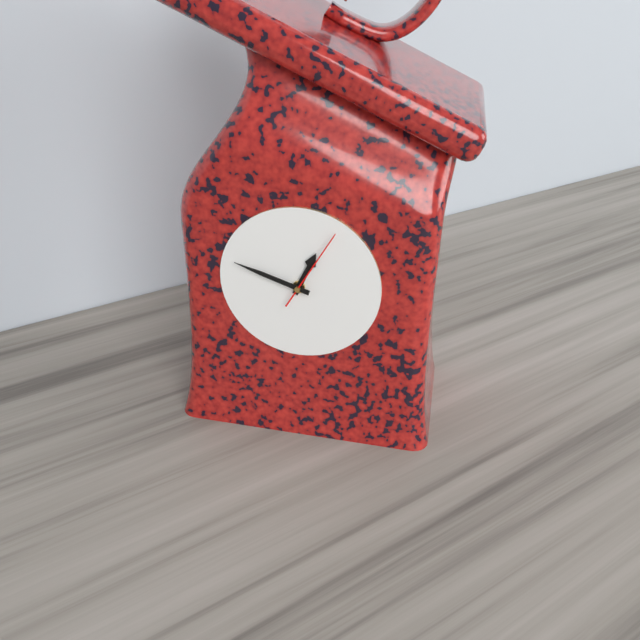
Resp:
**12:48:05**
